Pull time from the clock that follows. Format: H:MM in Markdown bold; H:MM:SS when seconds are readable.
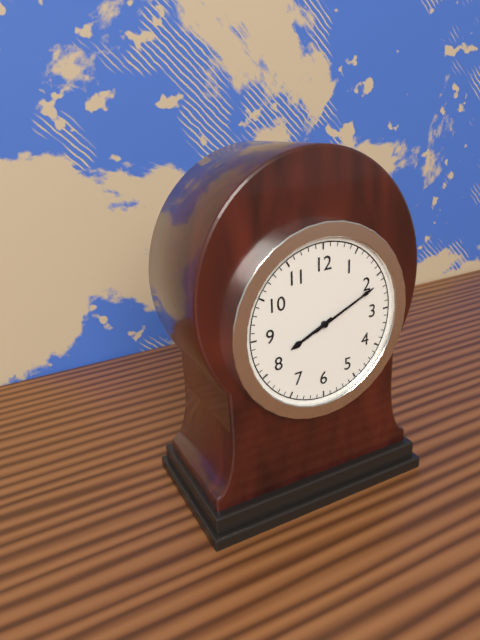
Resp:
**8:11**
